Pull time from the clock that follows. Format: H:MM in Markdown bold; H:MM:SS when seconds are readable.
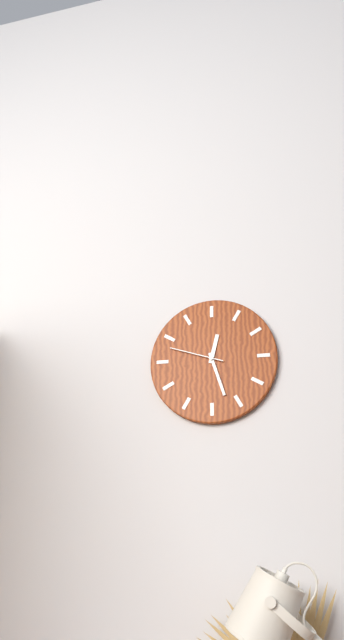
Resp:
**12:27:48**
